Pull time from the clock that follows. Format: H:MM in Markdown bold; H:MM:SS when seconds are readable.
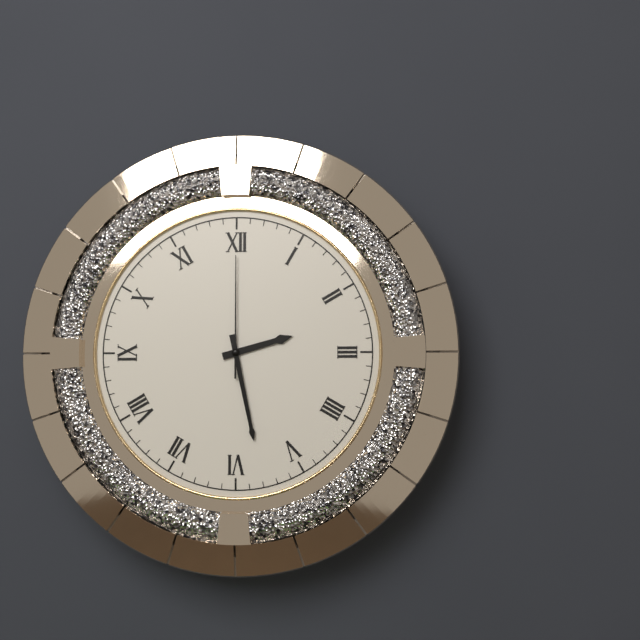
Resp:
**2:28:00**
